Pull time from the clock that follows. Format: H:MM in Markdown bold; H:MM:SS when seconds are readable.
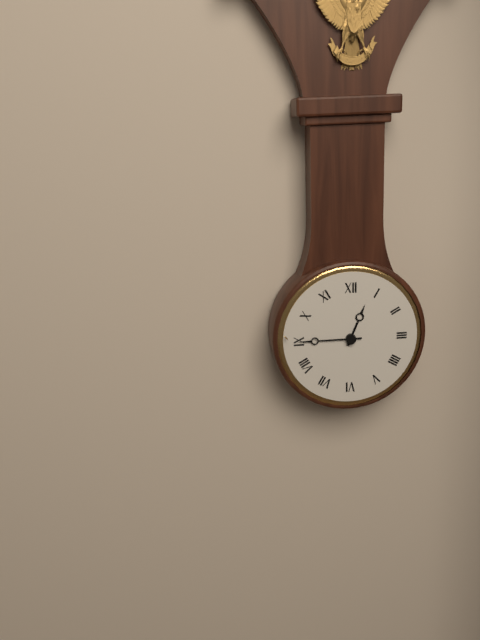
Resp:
**12:45**
